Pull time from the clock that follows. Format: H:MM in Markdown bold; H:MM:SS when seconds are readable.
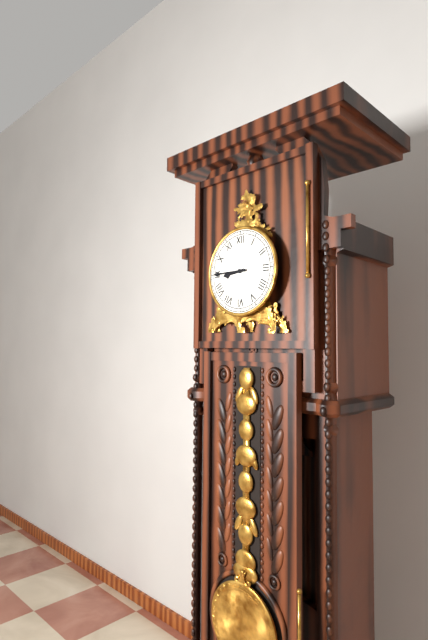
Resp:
**8:45**
